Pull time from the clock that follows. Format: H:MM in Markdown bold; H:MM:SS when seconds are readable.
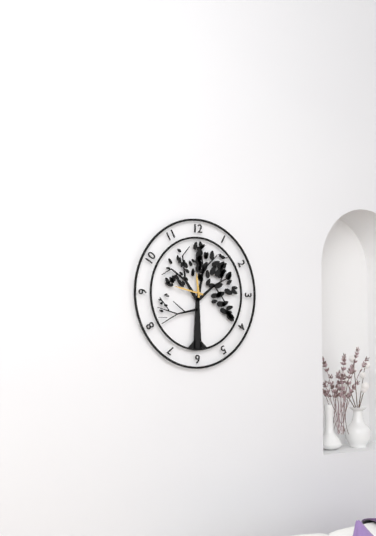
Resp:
**11:47**
